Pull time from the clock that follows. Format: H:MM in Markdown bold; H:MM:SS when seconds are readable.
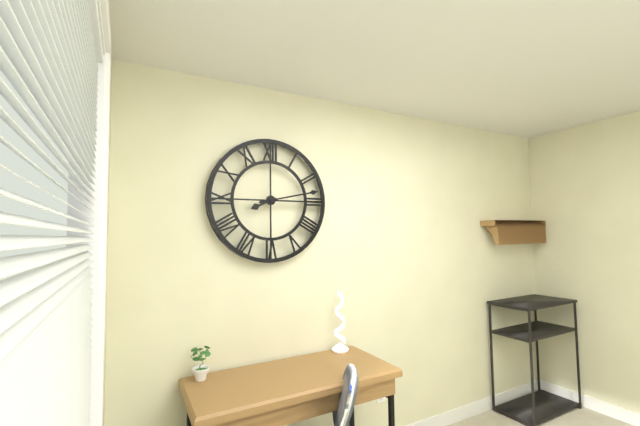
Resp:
**8:13**
